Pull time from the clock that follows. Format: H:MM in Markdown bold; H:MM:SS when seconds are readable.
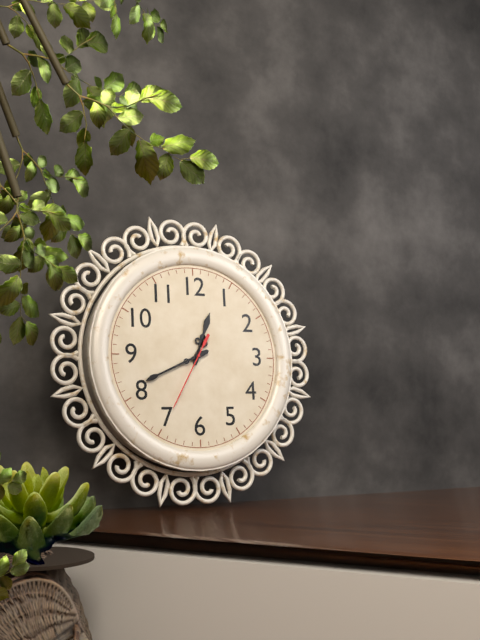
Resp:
**12:41:35**
